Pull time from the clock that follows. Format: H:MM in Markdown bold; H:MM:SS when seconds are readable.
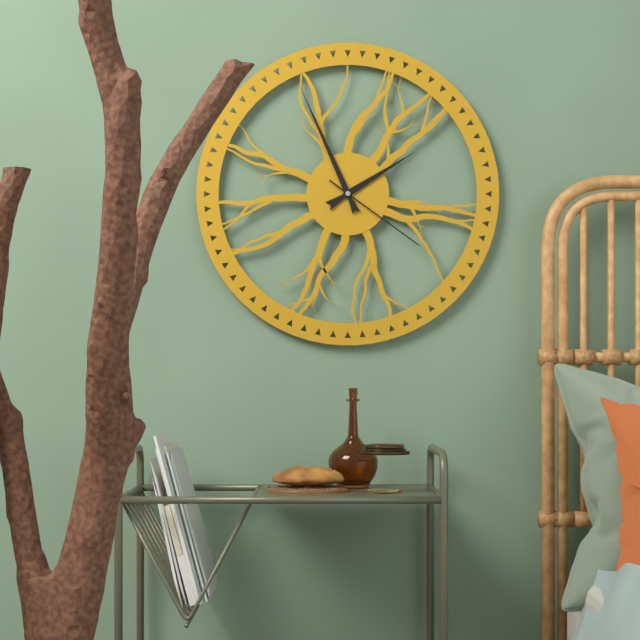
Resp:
**1:56:21**
